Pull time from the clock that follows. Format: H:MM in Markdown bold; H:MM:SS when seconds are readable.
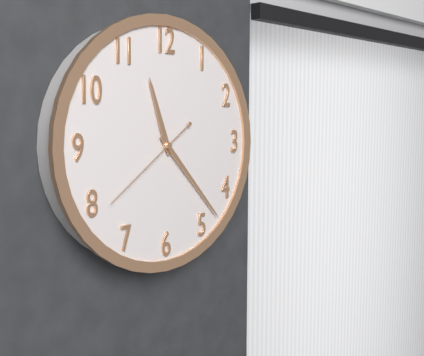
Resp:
**11:23:39**
